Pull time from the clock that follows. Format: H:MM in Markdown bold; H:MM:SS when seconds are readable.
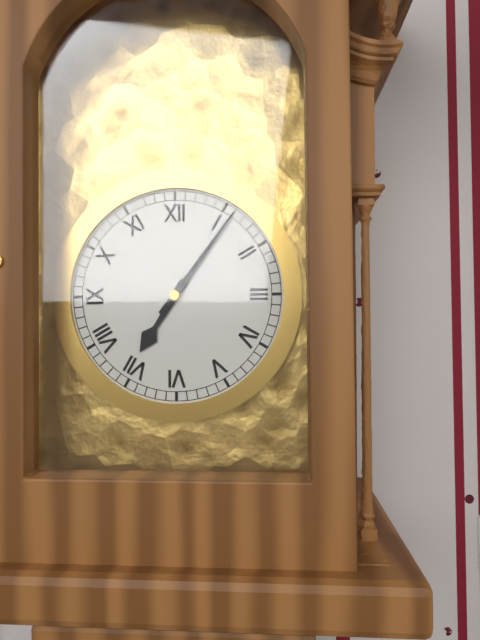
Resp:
**7:06**
